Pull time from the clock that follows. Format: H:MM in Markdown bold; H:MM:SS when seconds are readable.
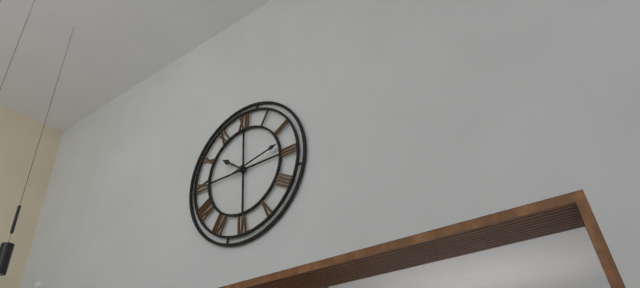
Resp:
**10:13**
